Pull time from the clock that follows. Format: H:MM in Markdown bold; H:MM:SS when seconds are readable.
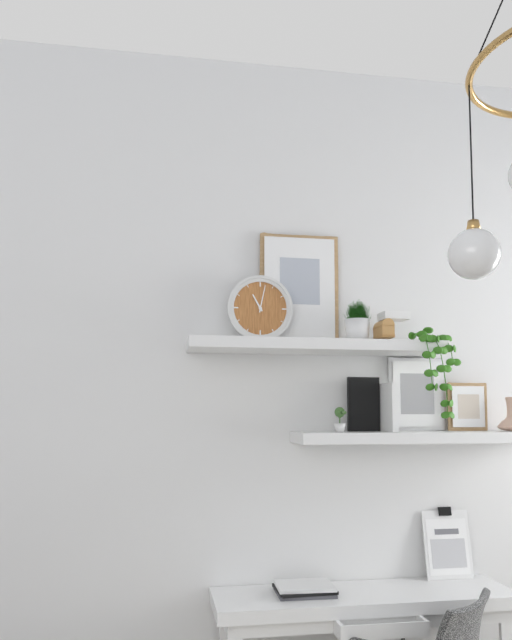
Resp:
**11:02**
